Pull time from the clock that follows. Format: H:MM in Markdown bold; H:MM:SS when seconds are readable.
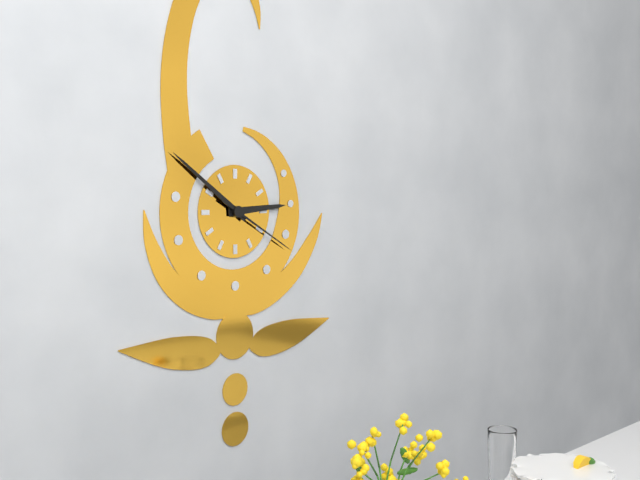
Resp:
**2:51:20**
